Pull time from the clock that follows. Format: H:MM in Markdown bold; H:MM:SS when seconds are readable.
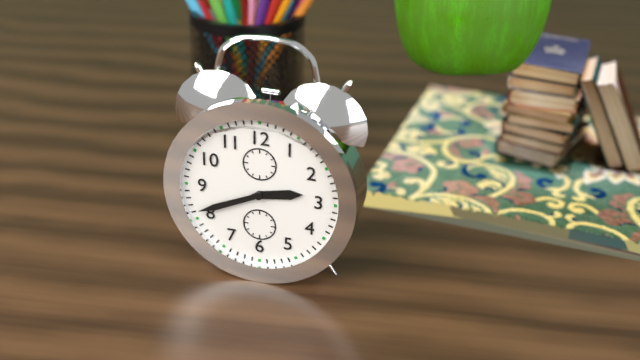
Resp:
**2:41**
